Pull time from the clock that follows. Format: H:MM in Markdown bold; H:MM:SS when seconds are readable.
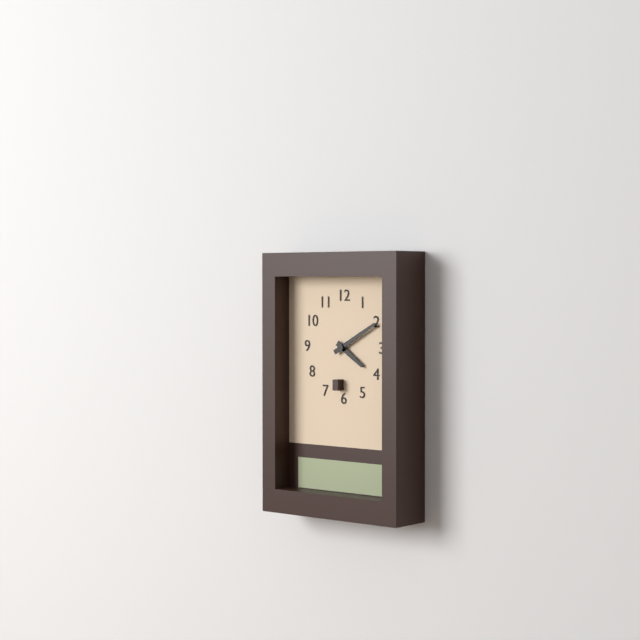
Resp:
**4:10**
